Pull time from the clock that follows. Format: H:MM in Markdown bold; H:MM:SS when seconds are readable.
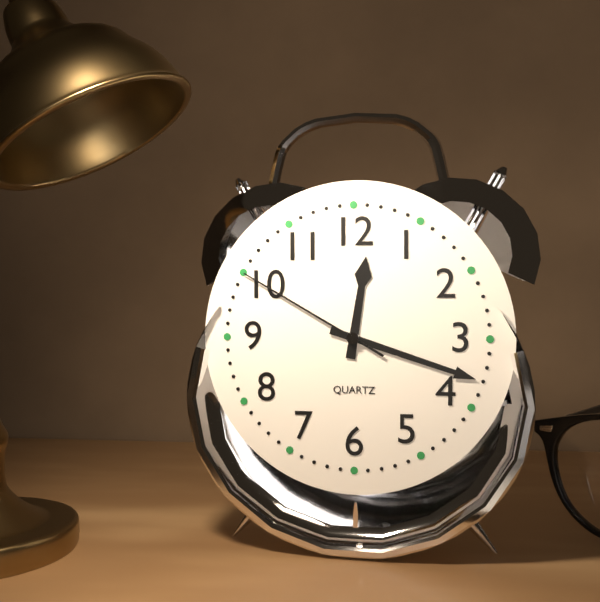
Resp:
**12:18:50**
